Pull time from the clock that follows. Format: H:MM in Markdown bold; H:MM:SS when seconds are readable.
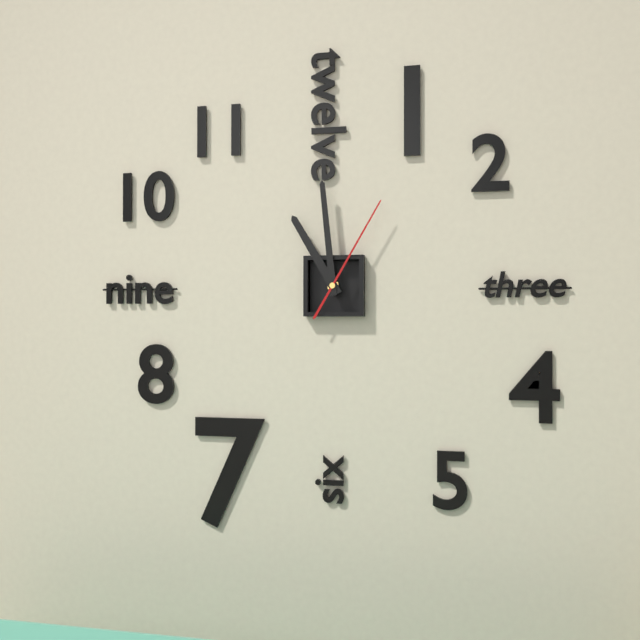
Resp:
**10:59:05**
